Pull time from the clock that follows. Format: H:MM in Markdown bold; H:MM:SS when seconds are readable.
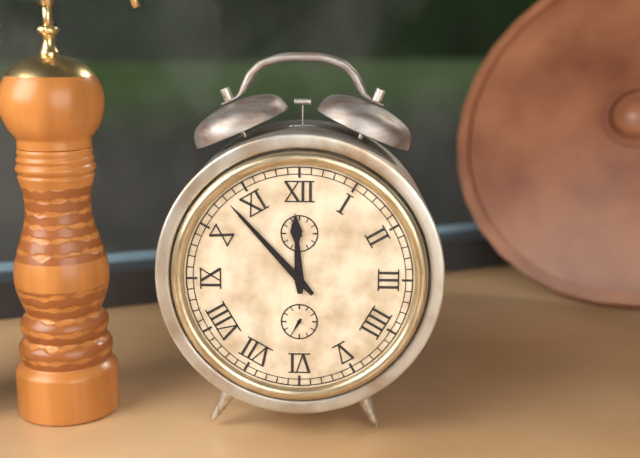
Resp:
**11:53**
